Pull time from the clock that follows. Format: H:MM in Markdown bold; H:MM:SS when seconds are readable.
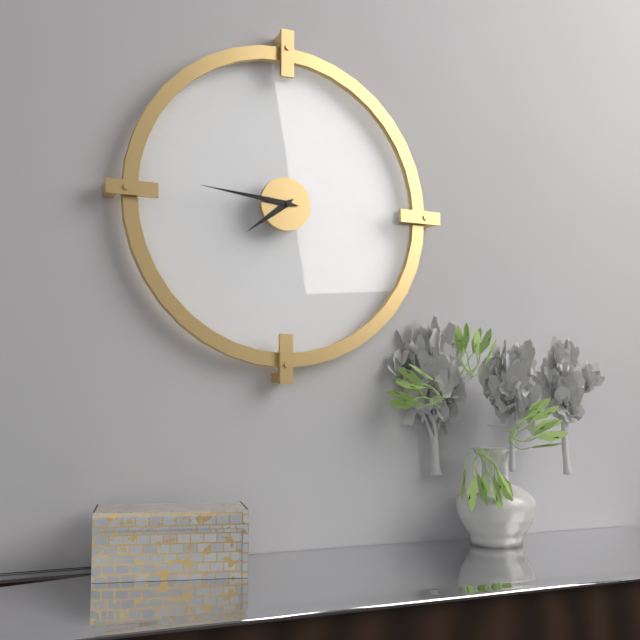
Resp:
**7:46**
